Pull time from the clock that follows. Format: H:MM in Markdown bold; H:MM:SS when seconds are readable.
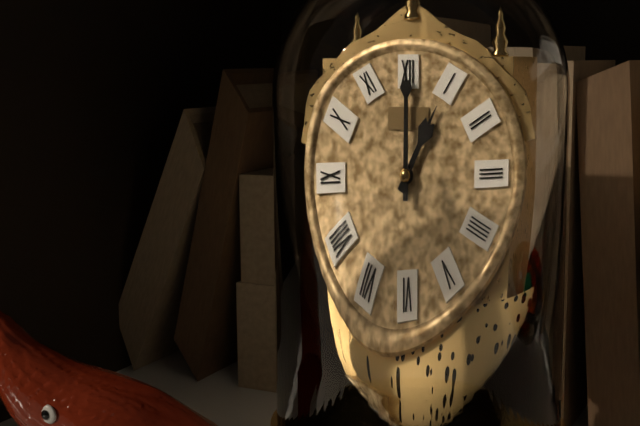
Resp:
**1:00**
